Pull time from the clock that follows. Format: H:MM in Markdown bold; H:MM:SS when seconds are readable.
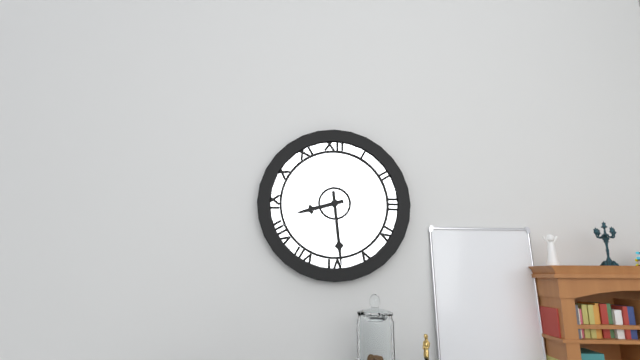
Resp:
**8:29**
